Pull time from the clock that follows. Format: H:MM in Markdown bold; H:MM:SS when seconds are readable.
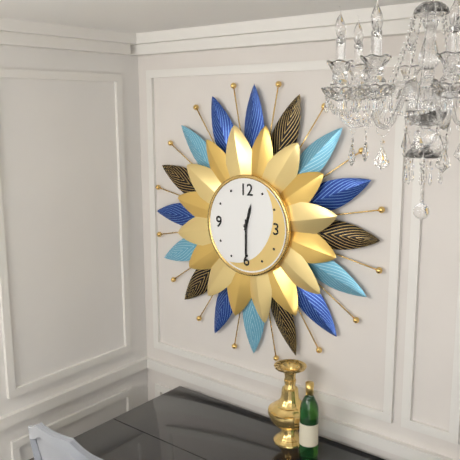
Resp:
**12:30**
